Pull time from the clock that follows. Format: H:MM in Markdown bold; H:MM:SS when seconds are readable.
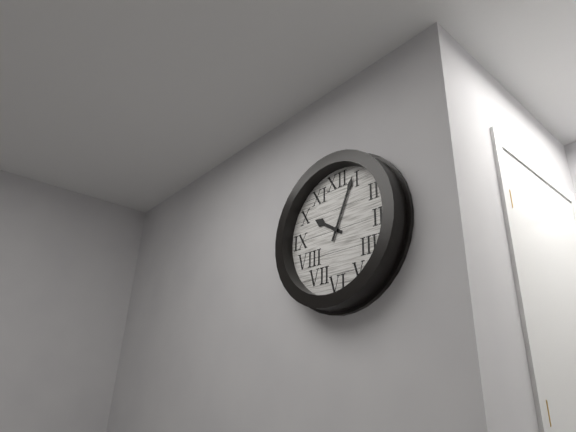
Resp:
**10:04**
